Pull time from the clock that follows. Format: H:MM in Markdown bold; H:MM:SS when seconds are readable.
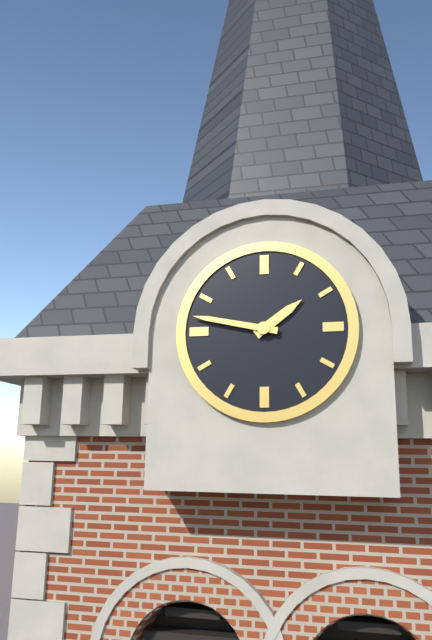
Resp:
**1:47**
